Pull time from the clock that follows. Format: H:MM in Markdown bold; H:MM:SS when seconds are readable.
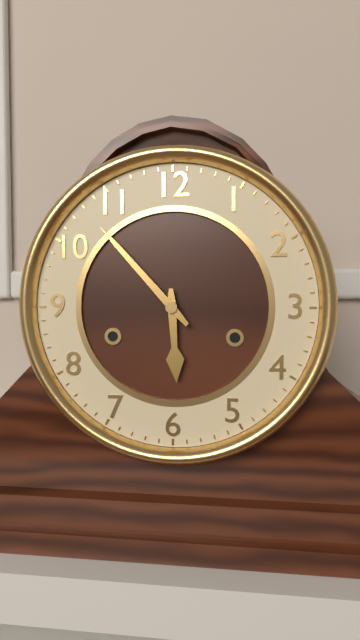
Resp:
**5:53**
